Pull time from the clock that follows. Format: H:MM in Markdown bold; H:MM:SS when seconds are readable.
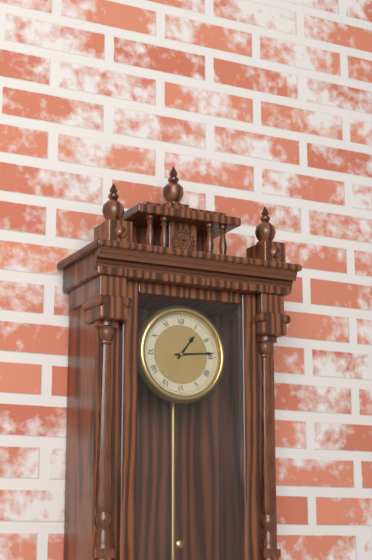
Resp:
**1:14**
